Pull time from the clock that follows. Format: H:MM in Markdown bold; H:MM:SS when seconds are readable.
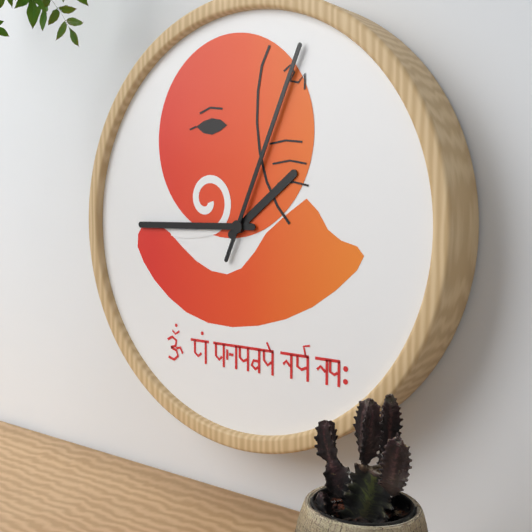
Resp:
**1:45:04**
